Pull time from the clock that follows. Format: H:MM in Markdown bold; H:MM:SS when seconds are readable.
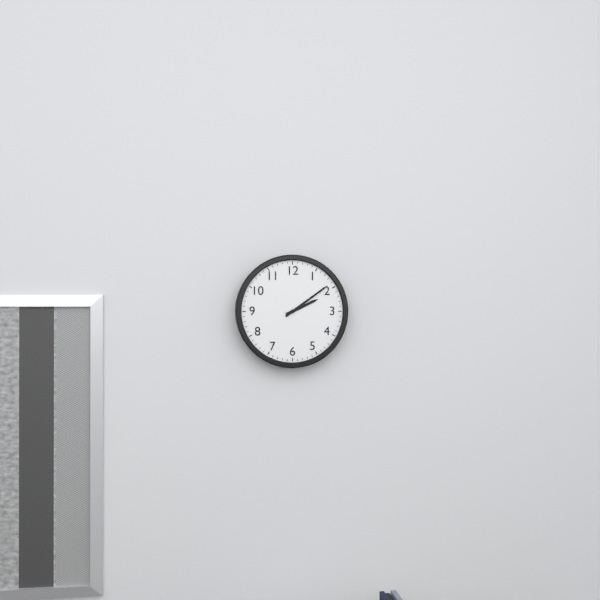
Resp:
**2:09**
